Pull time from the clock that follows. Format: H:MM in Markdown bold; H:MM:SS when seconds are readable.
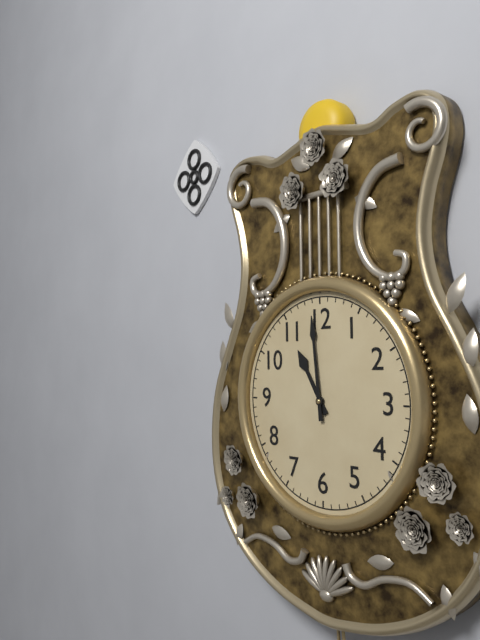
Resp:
**10:59**
